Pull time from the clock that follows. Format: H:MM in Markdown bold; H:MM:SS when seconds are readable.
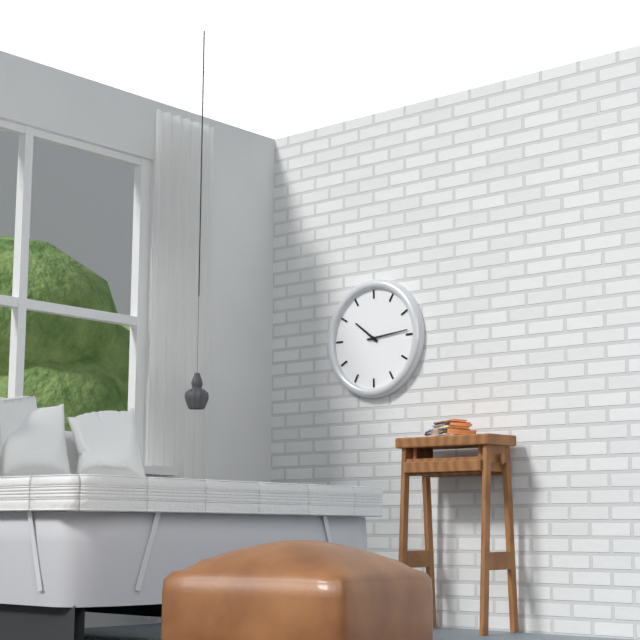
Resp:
**10:14**
